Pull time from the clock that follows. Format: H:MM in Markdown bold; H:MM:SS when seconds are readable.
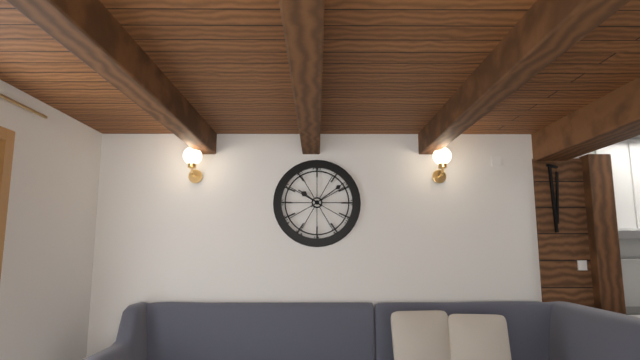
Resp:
**10:09**
